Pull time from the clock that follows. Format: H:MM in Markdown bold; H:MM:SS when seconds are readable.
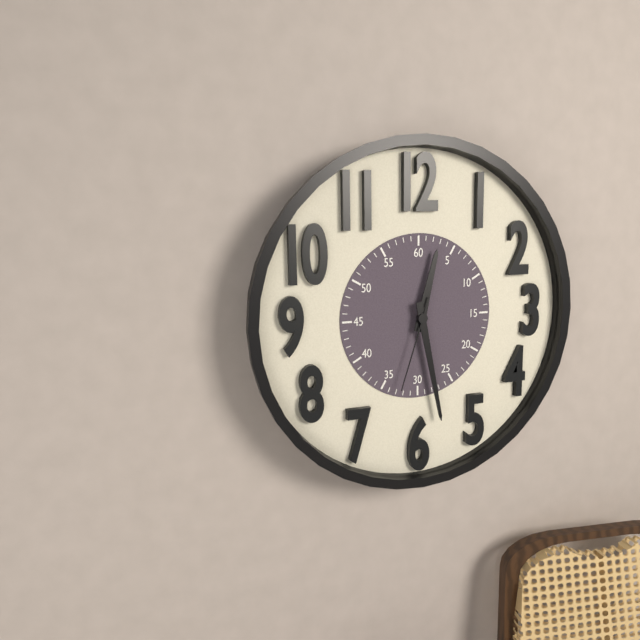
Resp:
**12:28:33**
